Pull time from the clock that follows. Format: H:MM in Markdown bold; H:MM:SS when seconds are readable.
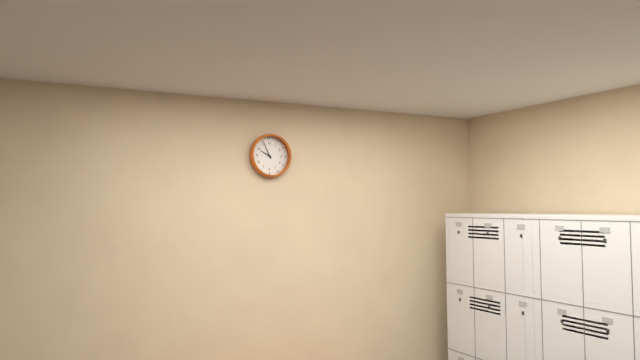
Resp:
**9:56**
